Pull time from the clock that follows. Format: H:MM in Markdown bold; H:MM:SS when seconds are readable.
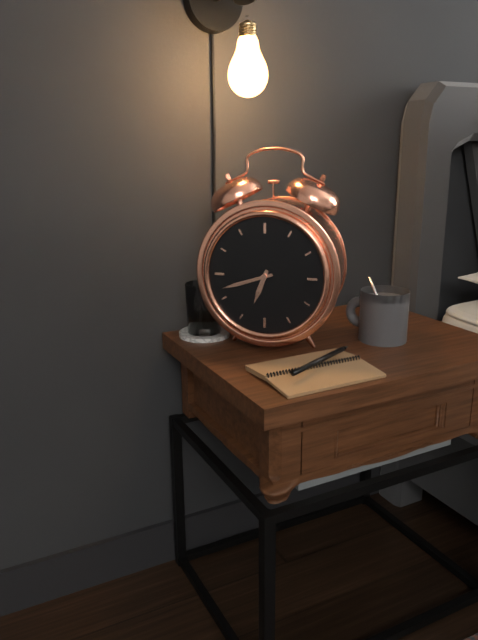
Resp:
**6:42**
